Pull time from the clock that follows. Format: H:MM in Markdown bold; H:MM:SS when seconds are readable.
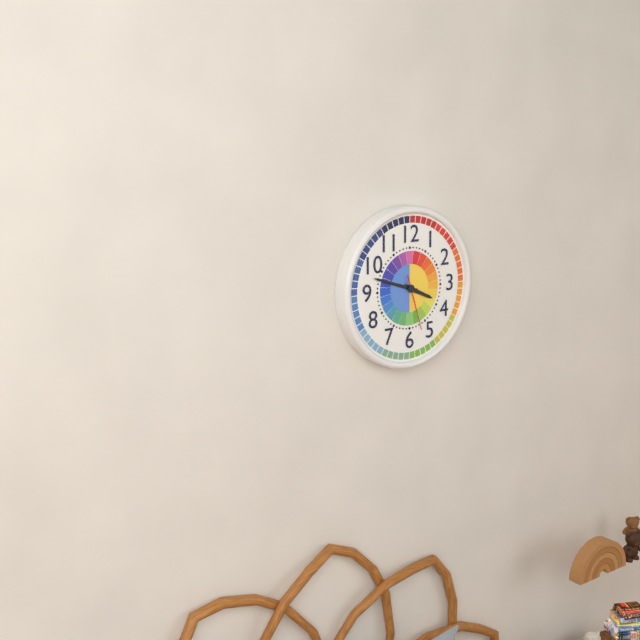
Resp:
**3:48:27**
